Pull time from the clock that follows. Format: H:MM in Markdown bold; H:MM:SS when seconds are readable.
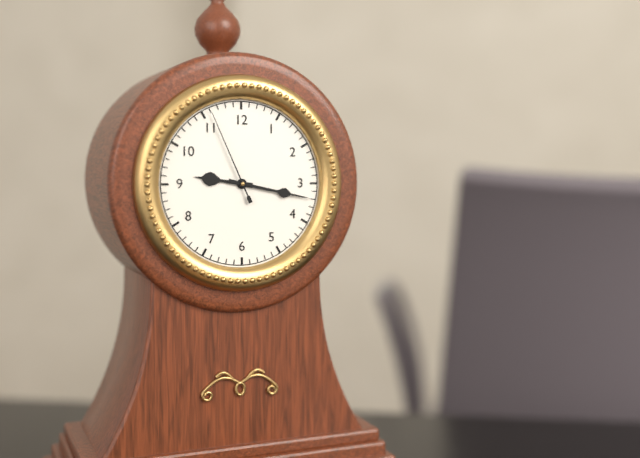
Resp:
**9:17:56**
